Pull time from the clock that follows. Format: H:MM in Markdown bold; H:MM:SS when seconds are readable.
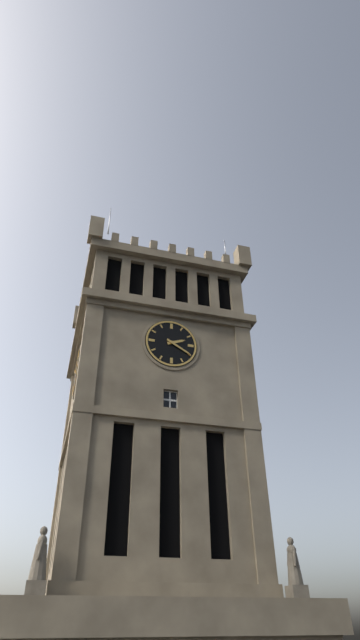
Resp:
**2:20**
